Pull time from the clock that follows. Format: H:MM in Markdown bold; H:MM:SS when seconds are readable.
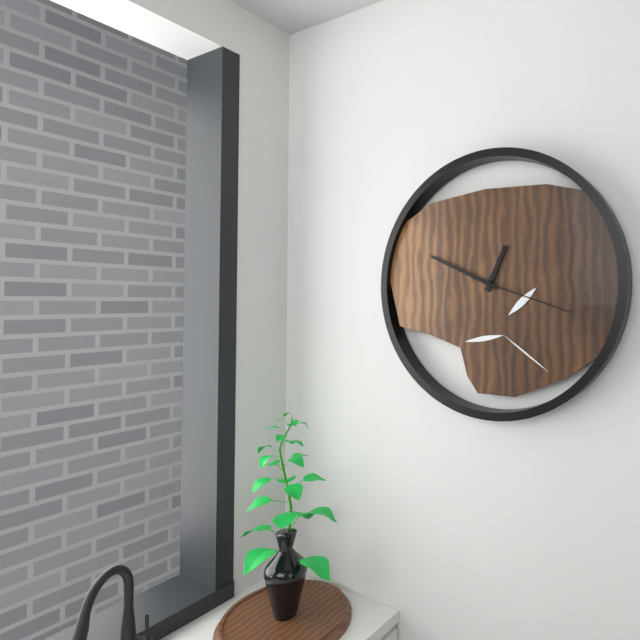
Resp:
**12:49:18**
